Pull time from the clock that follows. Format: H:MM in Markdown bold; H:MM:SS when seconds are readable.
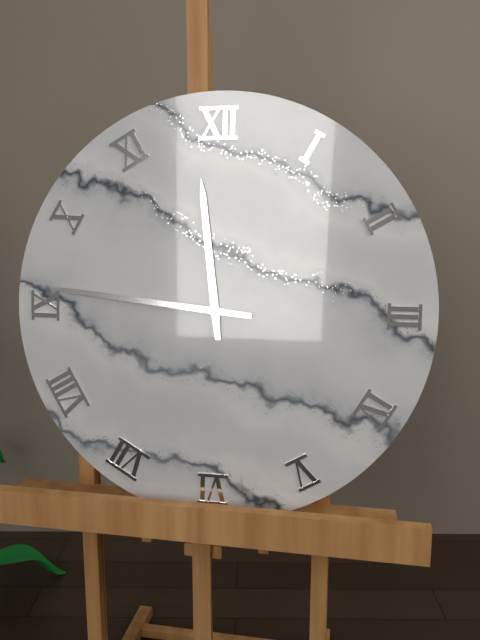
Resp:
**11:46**
